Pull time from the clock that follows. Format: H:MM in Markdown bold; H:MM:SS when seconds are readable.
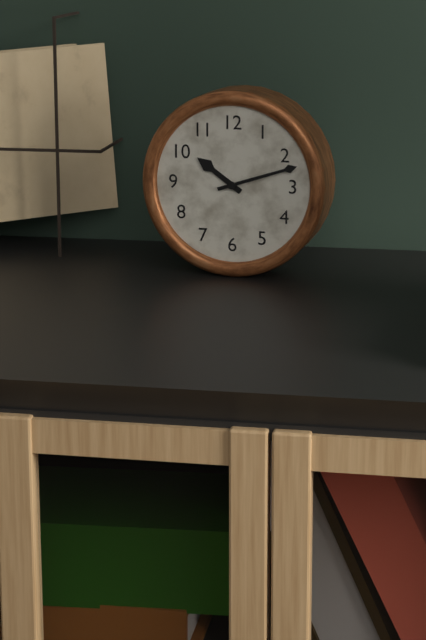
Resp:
**10:12**
